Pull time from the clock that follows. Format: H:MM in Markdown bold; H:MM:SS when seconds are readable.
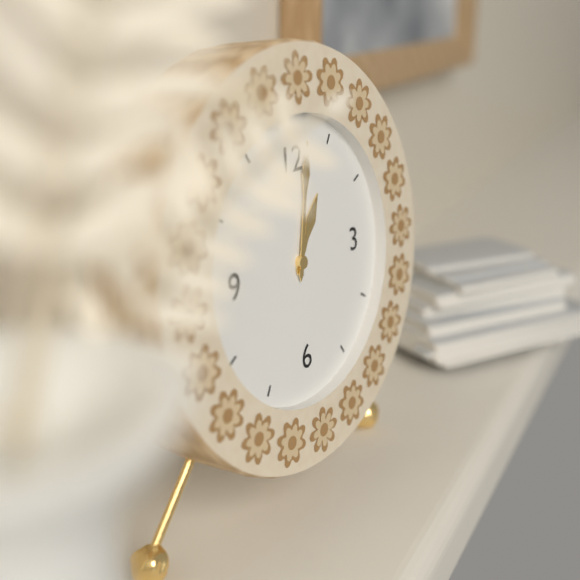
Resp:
**1:02**
